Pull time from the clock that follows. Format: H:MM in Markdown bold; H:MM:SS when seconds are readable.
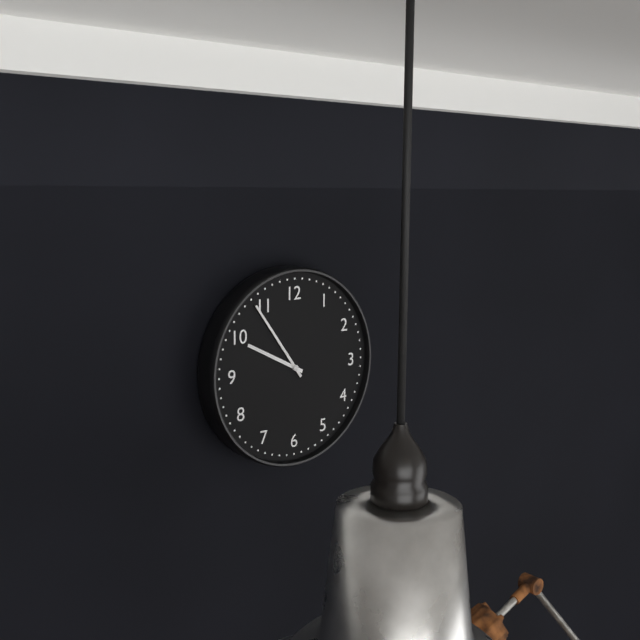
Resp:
**9:54**
